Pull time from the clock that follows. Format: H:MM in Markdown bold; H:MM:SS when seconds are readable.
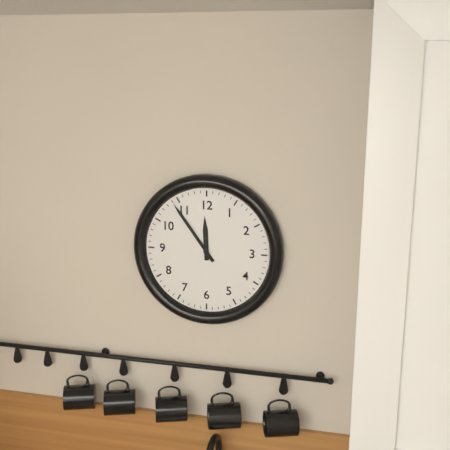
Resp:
**11:54**
